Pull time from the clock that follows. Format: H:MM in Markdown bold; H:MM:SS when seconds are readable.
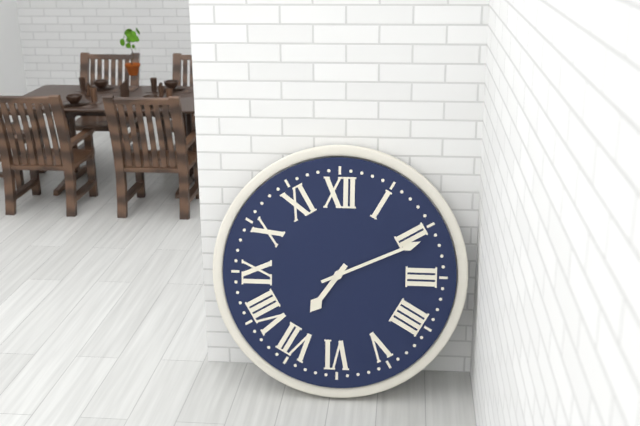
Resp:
**7:11**
